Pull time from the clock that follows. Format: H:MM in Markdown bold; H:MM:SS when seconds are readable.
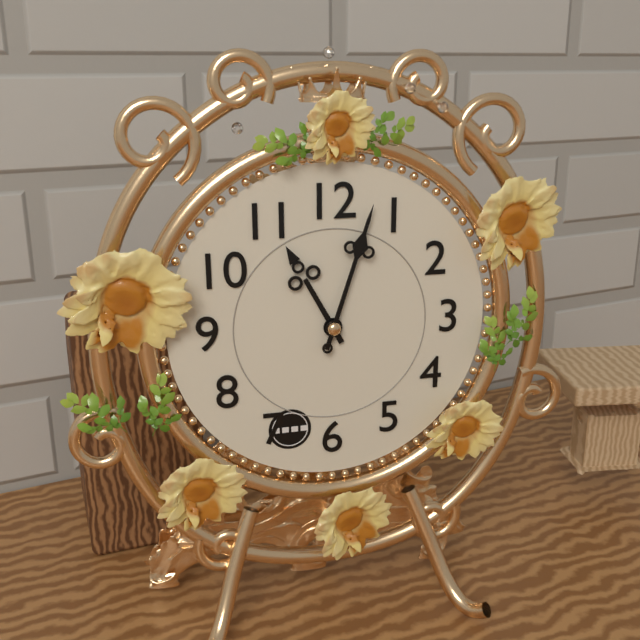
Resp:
**11:03**
